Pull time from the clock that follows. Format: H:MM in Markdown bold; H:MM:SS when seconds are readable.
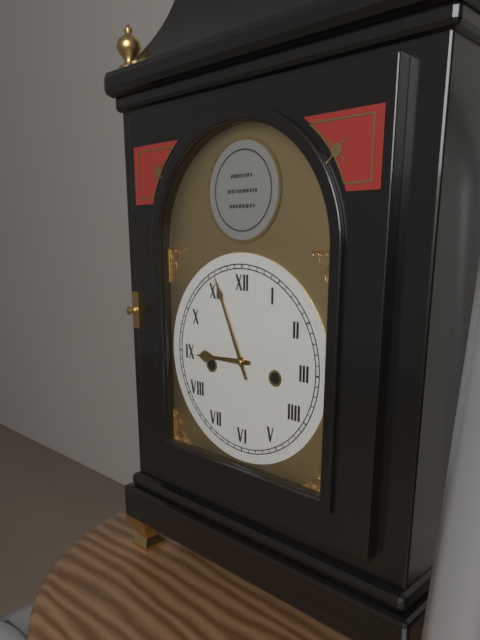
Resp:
**8:56**
